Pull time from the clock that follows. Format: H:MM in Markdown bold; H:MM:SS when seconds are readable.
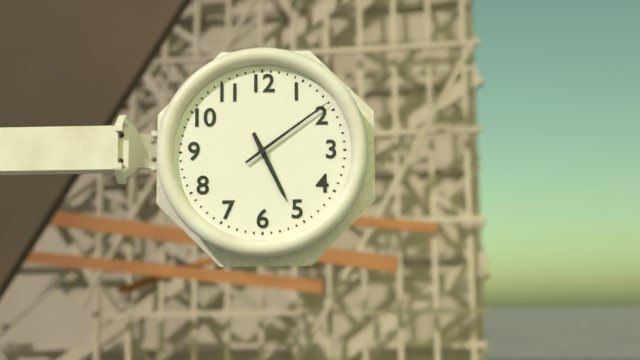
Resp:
**5:09**
